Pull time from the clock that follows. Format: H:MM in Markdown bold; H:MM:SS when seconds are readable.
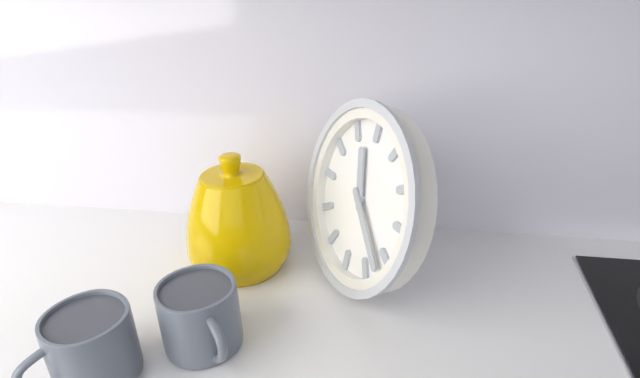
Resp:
**11:22**
